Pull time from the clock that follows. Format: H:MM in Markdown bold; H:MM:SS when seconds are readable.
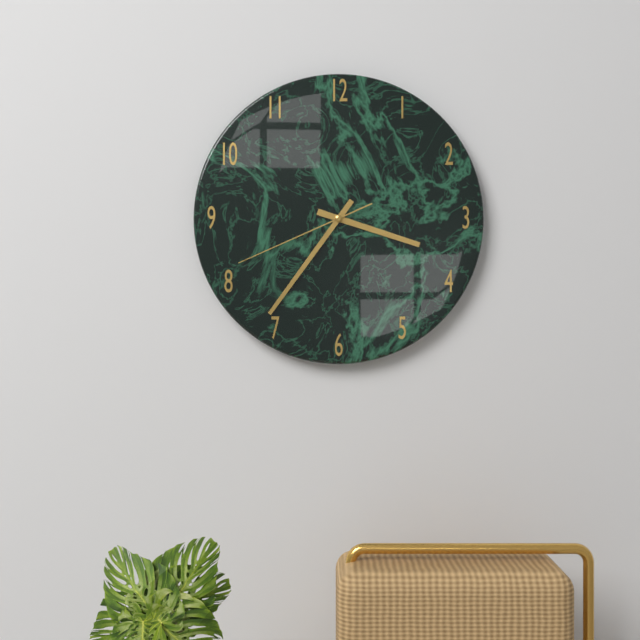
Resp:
**3:36:41**
